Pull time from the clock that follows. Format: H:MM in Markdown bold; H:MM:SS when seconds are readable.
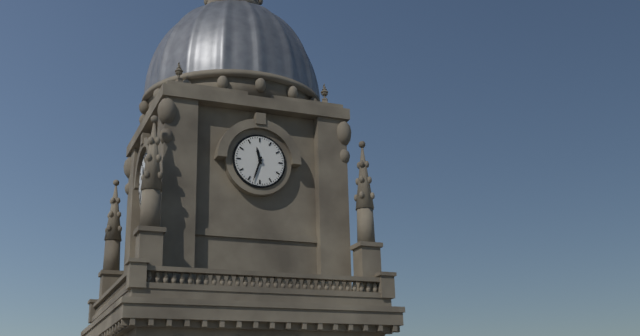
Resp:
**11:33**
